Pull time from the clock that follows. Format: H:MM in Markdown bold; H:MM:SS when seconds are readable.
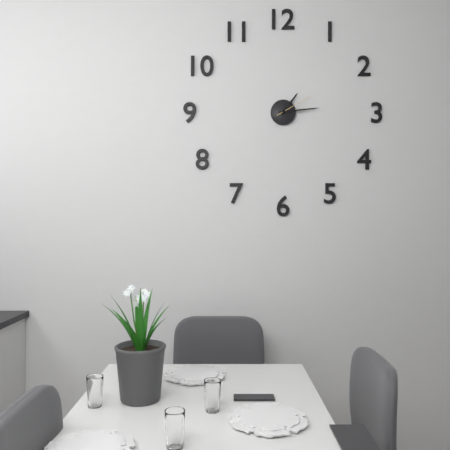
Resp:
**1:14**
